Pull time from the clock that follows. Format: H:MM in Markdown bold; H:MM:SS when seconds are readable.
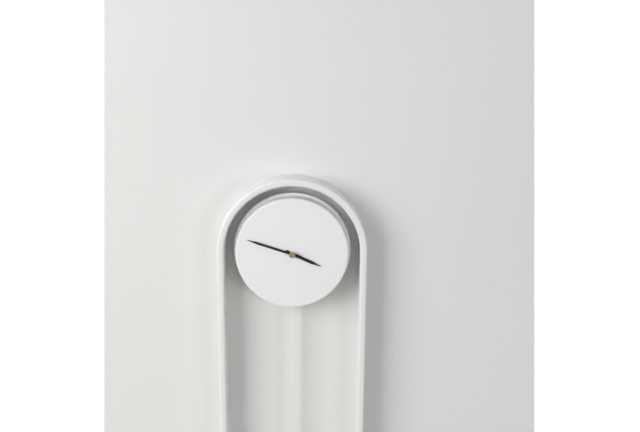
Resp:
**3:48**
